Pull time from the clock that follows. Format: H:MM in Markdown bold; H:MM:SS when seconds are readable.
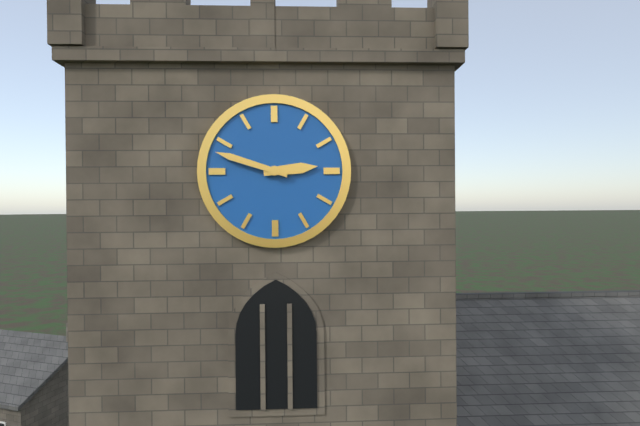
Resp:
**2:48**
